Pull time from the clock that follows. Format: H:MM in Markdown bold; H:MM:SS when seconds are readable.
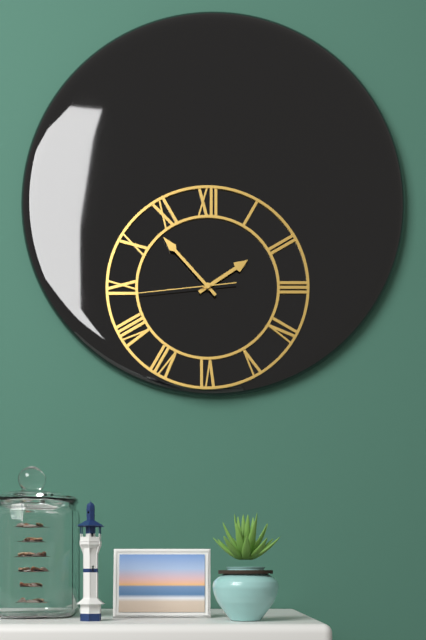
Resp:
**1:53:44**
